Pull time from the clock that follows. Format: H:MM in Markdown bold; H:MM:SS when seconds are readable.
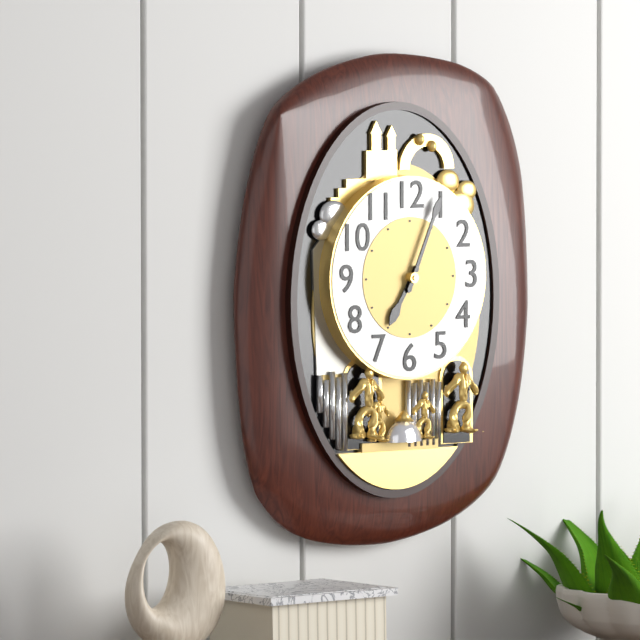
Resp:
**7:04**
